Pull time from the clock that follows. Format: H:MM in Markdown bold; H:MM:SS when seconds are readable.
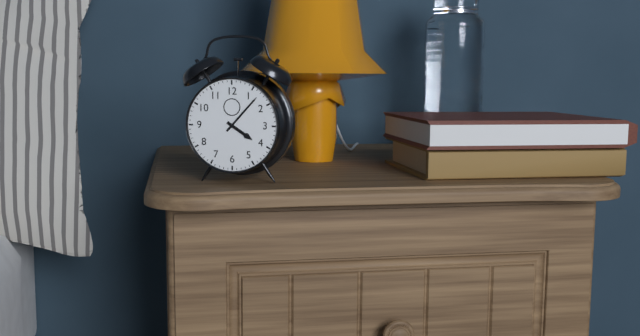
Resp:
**4:07**
